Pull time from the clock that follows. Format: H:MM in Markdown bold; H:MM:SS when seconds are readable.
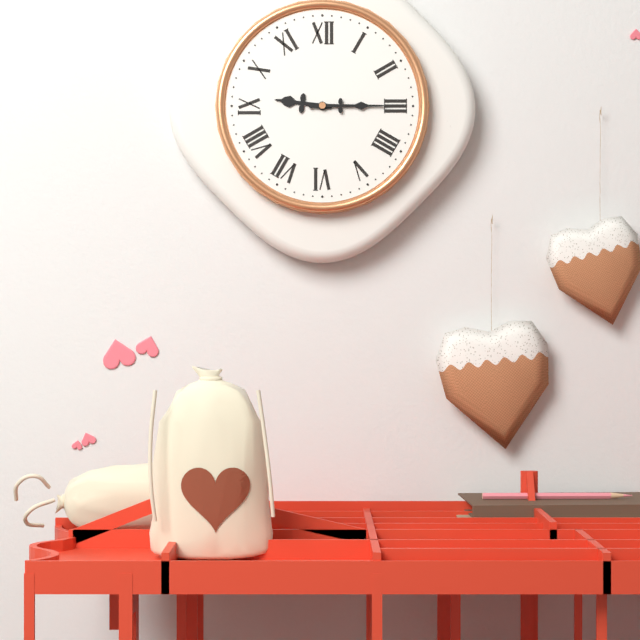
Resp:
**9:15**
